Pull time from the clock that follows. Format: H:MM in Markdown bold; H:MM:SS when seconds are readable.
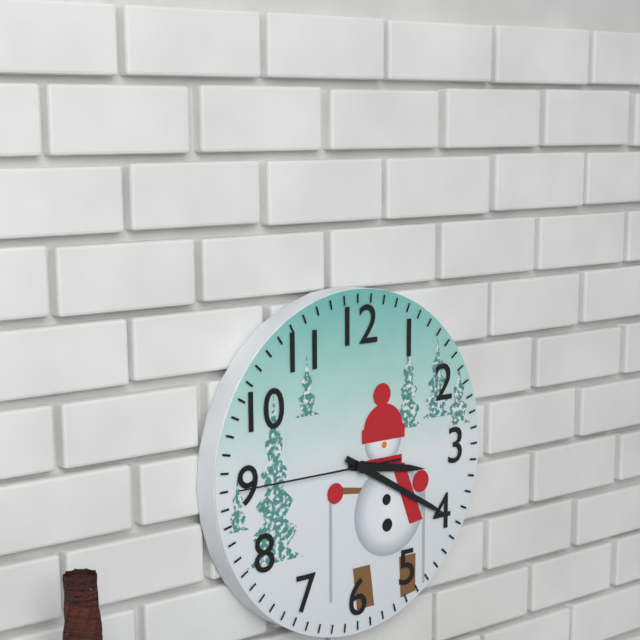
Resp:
**3:20:45**
